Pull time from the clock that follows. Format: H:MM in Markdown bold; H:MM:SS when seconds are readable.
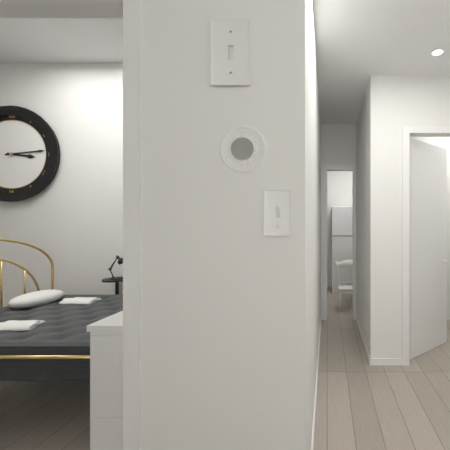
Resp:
**3:14**
